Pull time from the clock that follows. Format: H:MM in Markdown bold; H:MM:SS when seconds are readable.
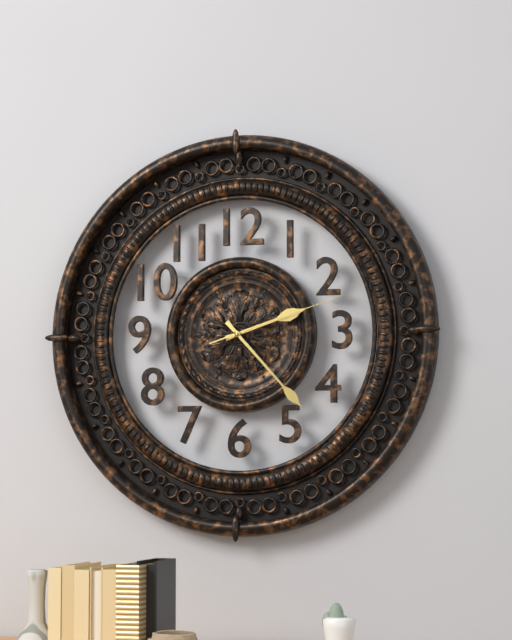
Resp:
**2:23:12**
